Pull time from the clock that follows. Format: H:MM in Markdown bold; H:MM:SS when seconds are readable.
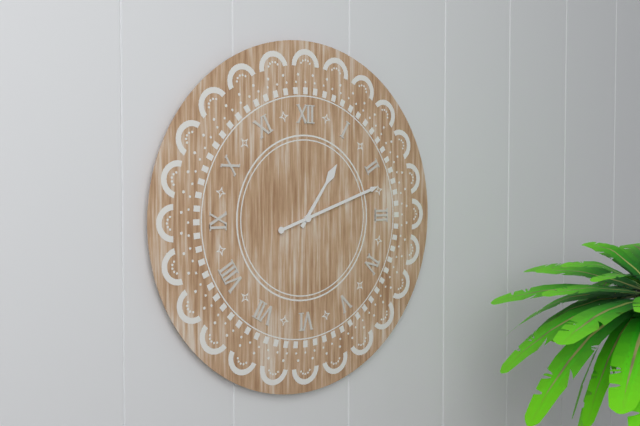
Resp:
**1:12**
